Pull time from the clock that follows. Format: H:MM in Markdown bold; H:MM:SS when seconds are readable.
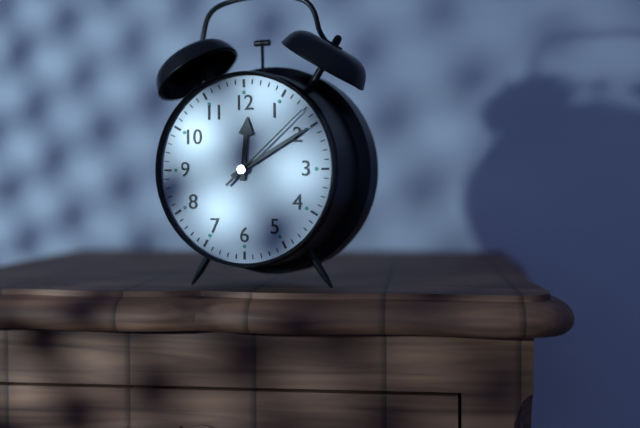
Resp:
**12:10:08**
